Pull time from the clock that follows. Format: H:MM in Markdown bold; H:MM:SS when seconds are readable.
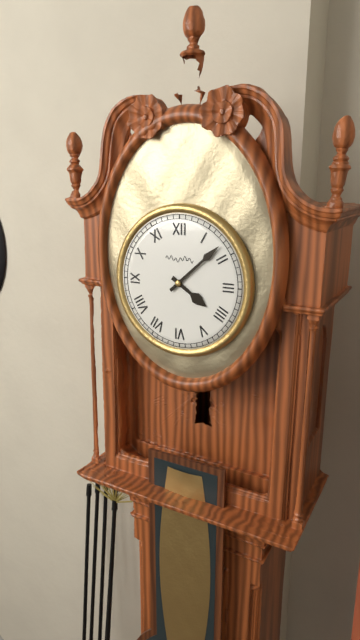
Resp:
**4:08**
